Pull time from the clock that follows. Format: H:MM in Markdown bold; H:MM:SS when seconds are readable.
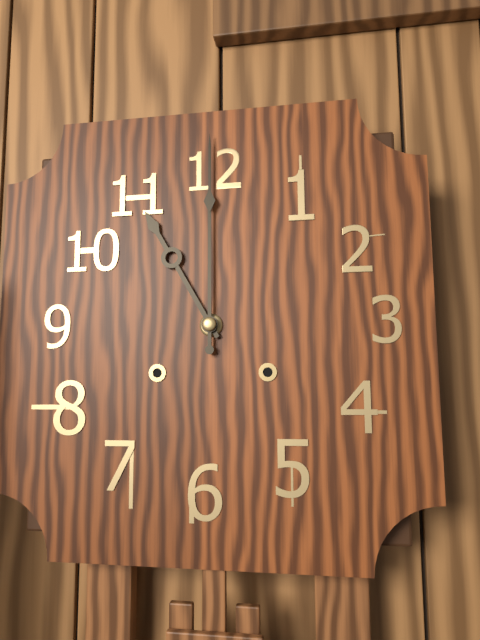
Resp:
**11:00**
